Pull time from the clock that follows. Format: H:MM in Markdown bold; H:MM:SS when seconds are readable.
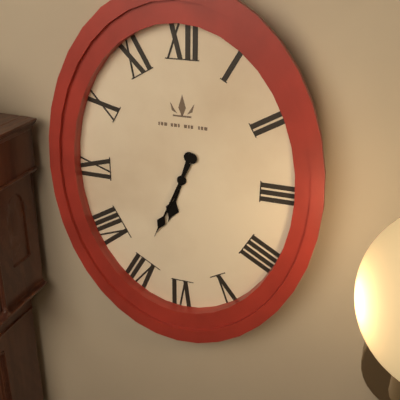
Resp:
**6:34**
